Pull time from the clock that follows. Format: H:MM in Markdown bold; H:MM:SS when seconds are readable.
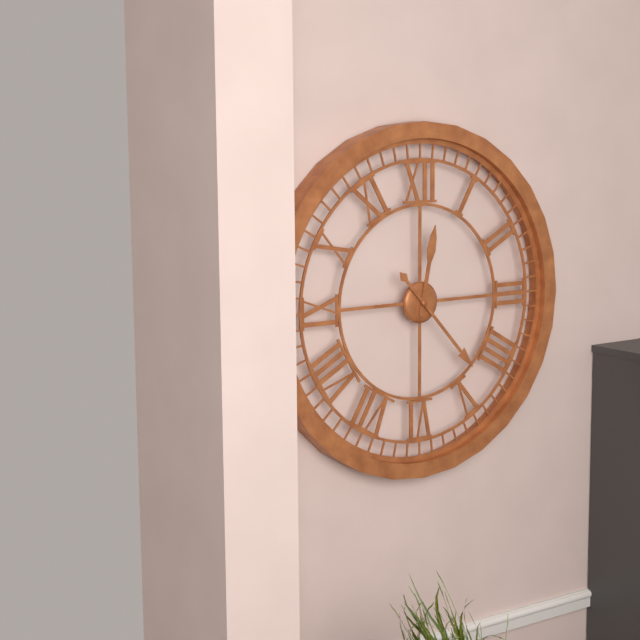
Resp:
**12:23**
